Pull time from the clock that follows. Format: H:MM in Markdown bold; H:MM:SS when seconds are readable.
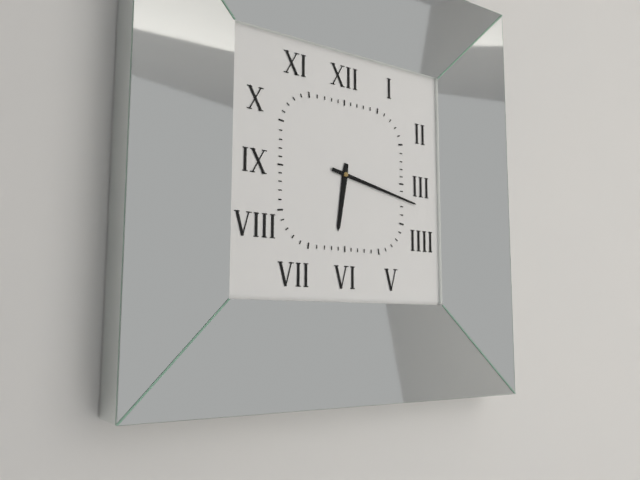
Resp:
**6:17**
